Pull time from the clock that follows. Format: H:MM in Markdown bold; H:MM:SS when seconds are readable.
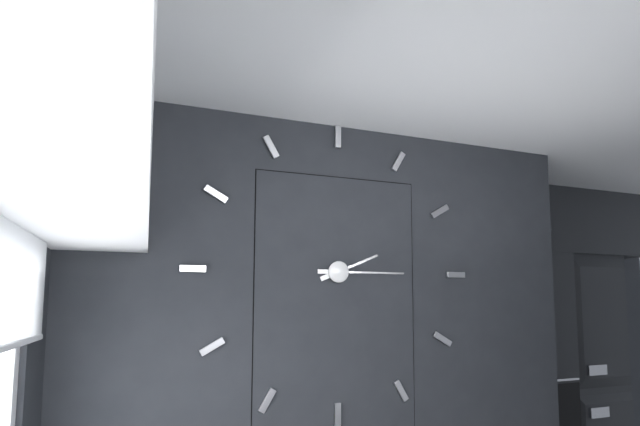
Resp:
**2:15**
